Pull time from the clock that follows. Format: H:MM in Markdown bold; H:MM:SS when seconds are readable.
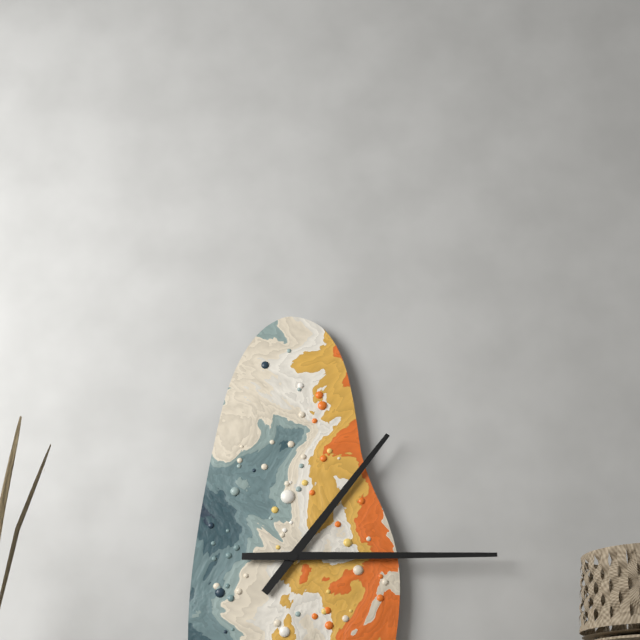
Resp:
**1:15**
